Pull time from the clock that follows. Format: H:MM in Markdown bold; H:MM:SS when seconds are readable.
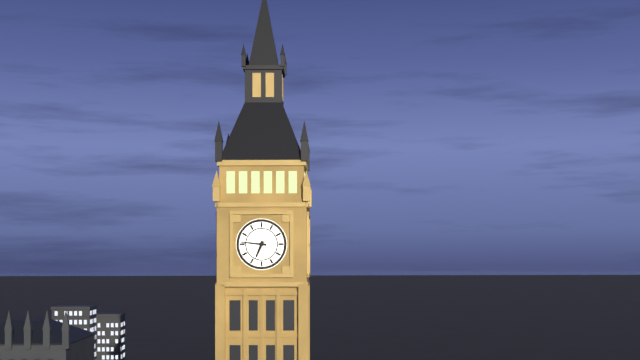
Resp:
**6:46**
